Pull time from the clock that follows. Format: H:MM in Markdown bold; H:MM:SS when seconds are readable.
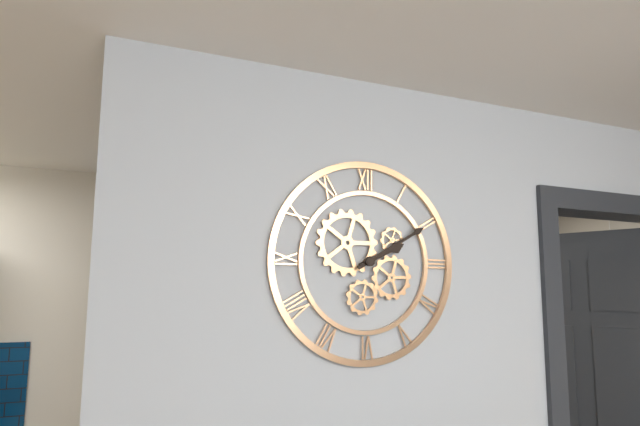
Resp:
**2:10**
